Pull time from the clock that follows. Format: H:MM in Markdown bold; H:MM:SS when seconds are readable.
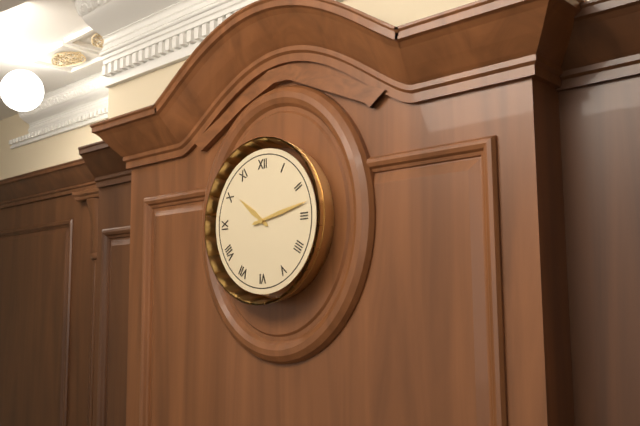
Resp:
**10:13**
